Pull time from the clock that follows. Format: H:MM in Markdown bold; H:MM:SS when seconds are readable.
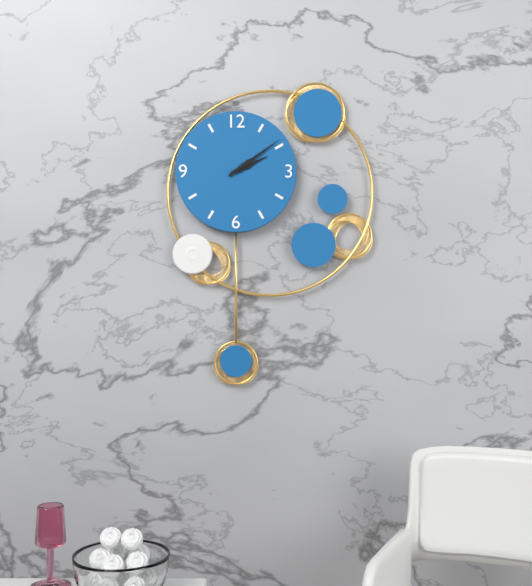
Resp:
**2:09**
